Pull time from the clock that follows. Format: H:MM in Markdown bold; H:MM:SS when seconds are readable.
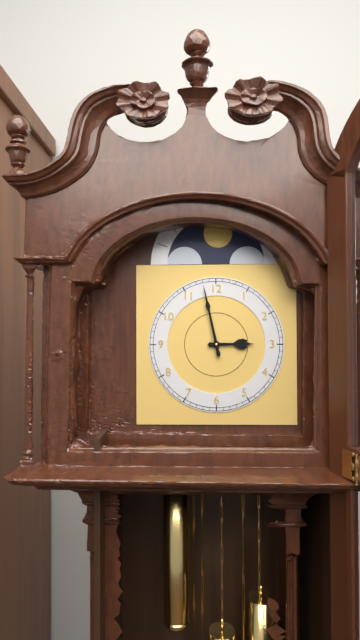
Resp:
**2:58**
